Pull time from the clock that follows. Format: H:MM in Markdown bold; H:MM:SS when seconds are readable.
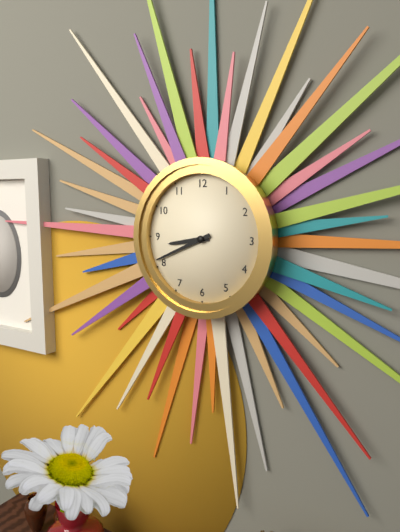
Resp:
**8:41**
